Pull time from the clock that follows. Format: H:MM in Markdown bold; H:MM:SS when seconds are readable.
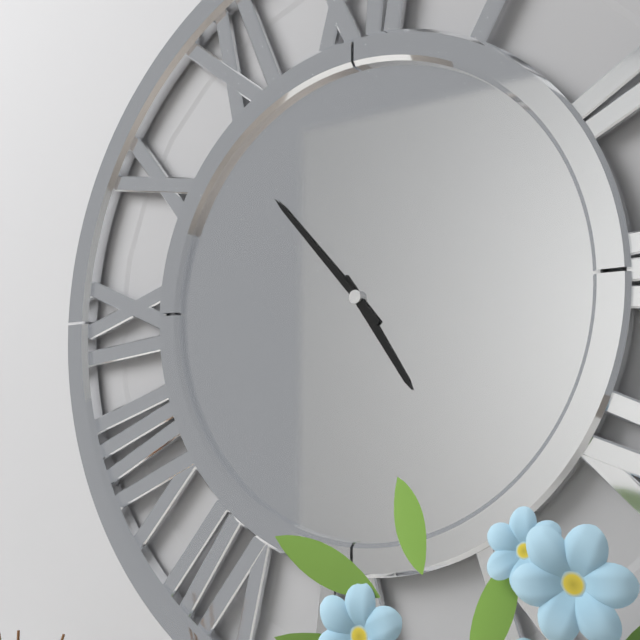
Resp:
**4:53**
